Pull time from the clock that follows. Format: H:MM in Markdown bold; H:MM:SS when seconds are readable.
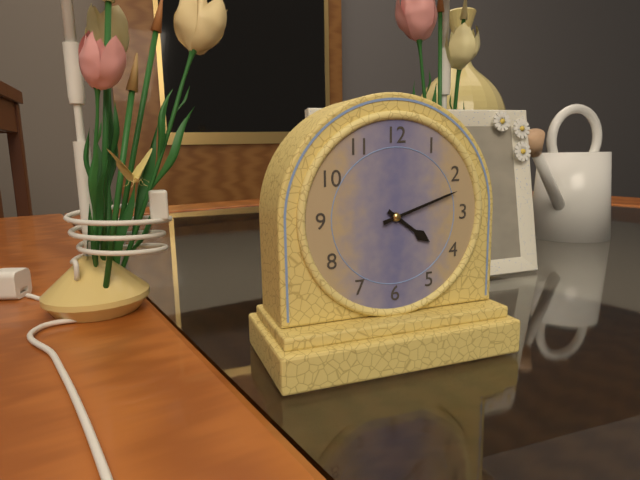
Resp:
**4:12**
